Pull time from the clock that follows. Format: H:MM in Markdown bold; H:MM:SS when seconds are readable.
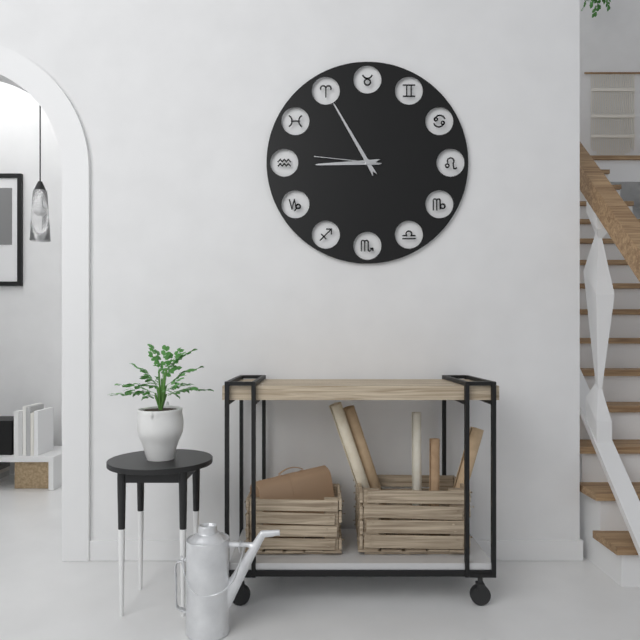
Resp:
**8:55:46**
